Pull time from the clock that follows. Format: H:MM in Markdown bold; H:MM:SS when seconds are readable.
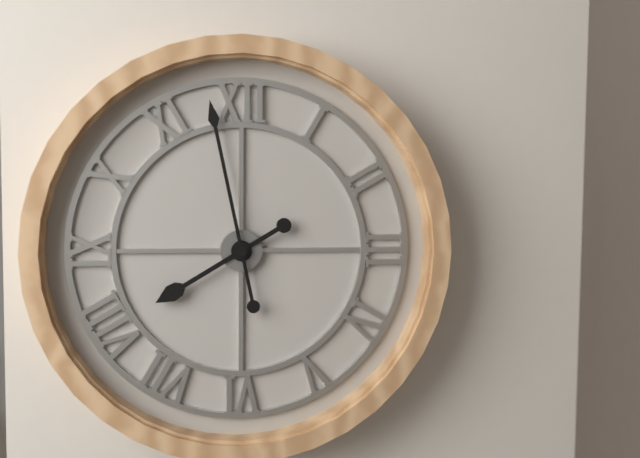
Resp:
**7:58**
